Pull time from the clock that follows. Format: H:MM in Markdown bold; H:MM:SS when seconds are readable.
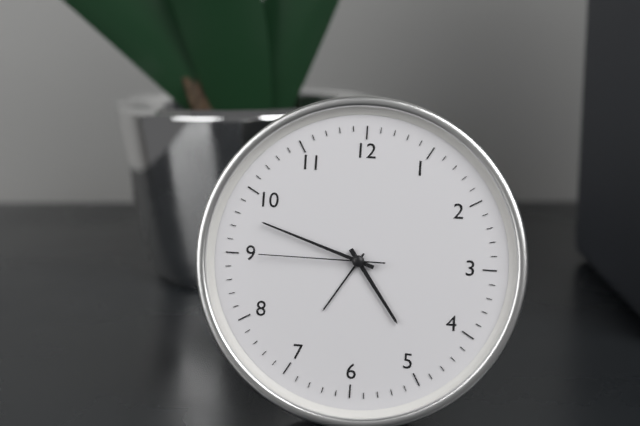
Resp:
**4:48:45**
